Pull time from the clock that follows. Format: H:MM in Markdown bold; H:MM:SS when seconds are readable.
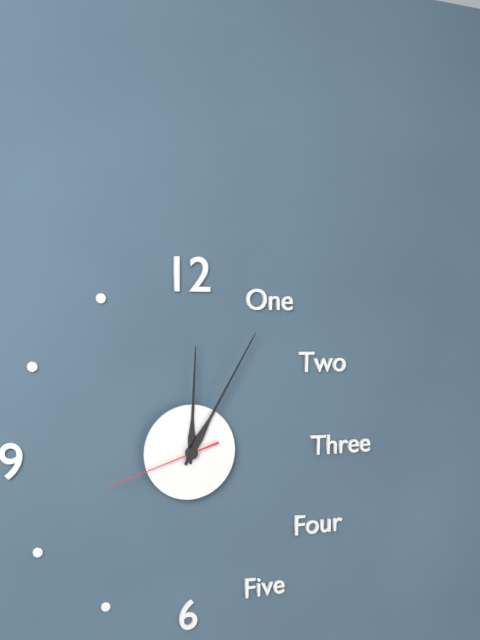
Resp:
**12:05:42**
